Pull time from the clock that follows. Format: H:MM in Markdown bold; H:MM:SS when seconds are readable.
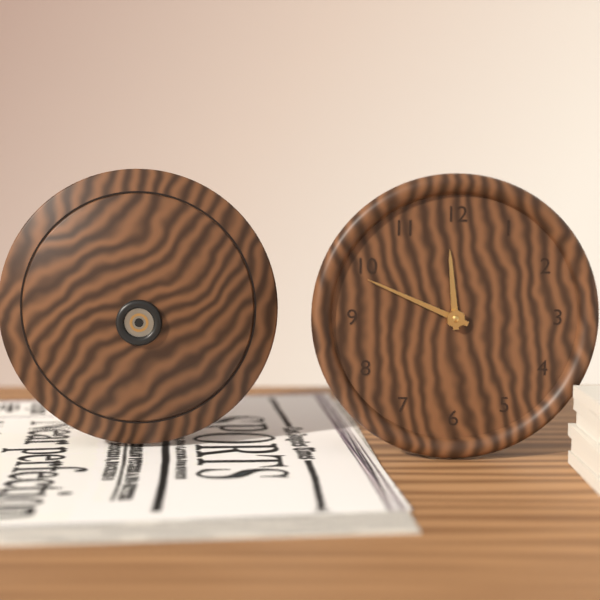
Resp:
**11:49**
